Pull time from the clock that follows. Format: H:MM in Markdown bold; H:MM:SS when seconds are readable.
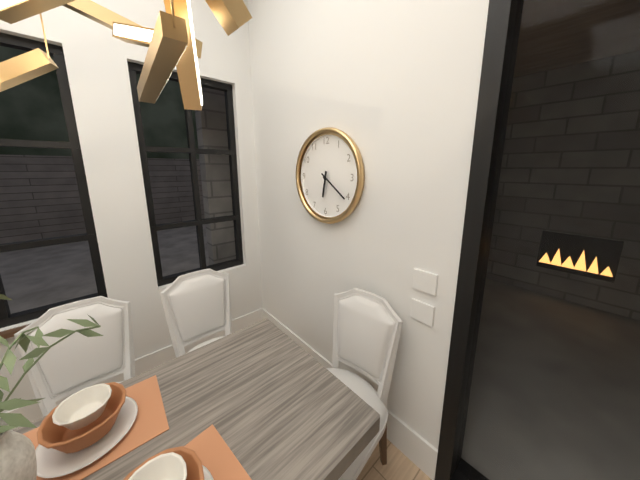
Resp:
**6:21**
